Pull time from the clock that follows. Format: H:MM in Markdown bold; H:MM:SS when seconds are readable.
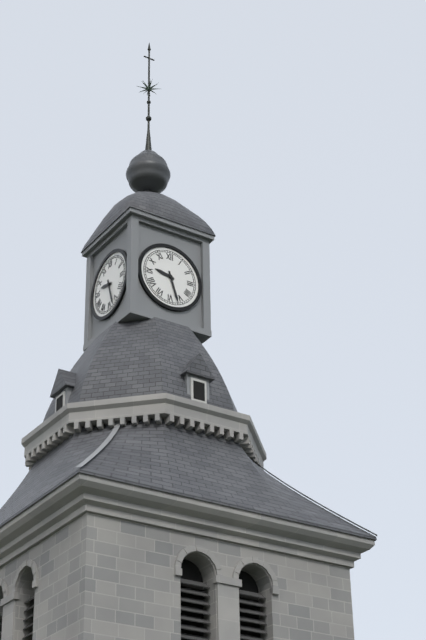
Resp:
**9:27**
